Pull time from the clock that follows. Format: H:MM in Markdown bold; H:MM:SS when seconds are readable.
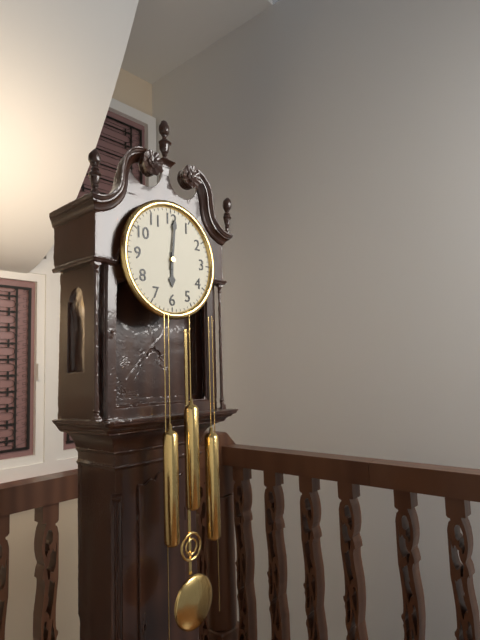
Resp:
**6:01**
